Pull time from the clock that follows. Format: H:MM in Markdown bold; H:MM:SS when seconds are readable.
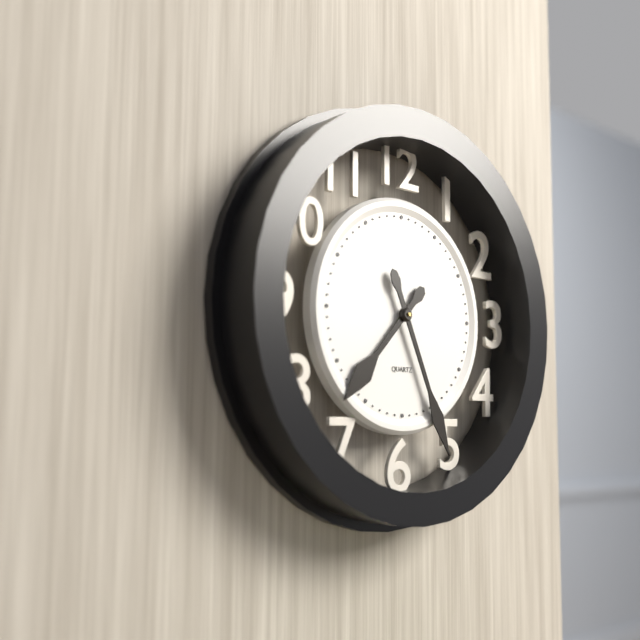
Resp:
**7:26**
